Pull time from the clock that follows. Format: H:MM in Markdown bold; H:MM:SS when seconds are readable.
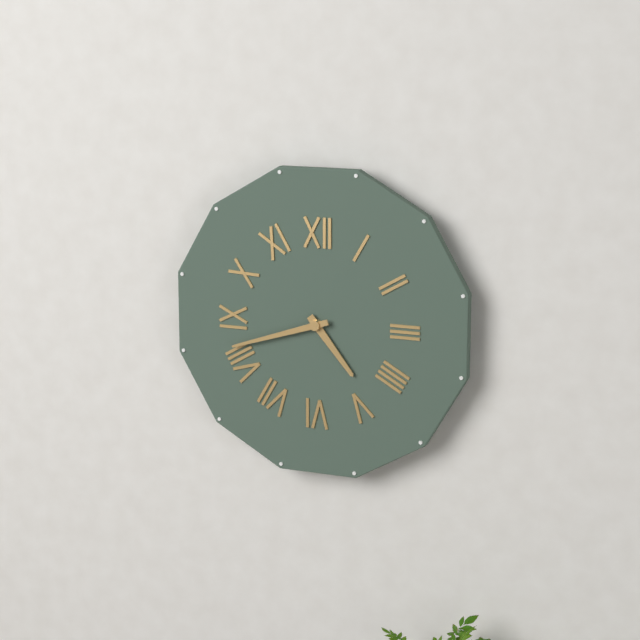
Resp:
**4:42**
